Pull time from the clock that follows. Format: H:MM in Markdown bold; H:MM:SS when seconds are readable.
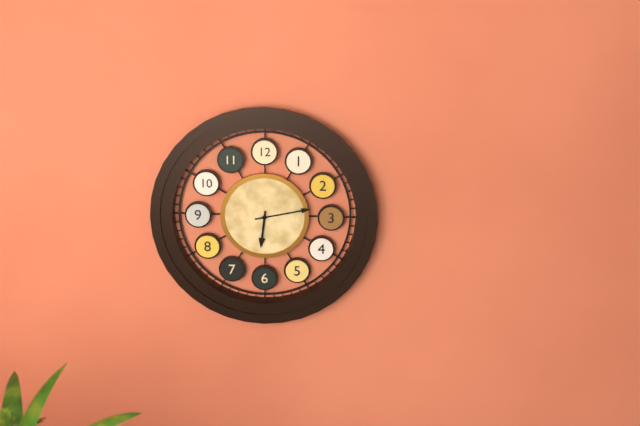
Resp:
**6:13**
